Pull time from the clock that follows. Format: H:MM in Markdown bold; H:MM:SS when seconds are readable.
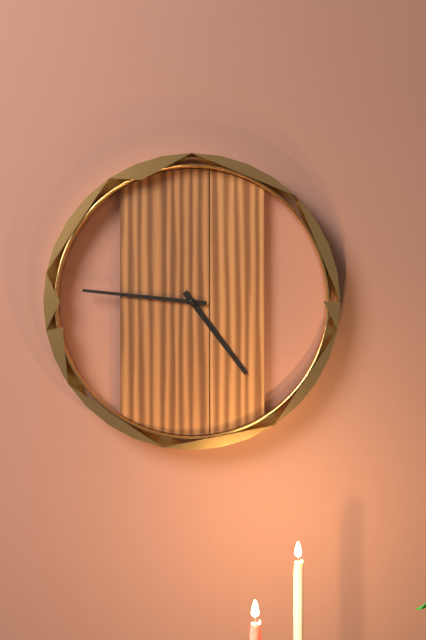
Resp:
**4:46**
